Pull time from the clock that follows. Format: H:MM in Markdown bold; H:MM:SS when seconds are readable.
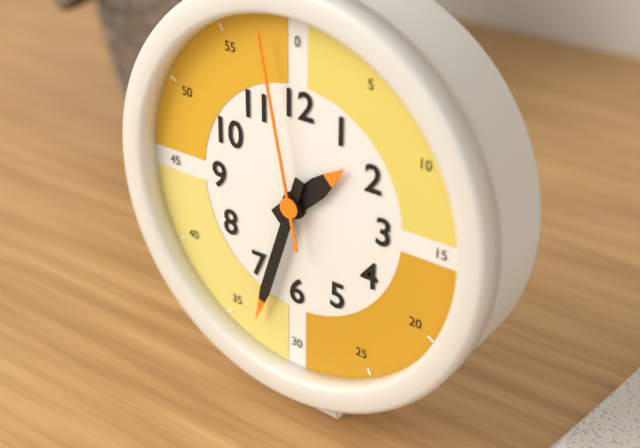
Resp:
**1:33:58**
